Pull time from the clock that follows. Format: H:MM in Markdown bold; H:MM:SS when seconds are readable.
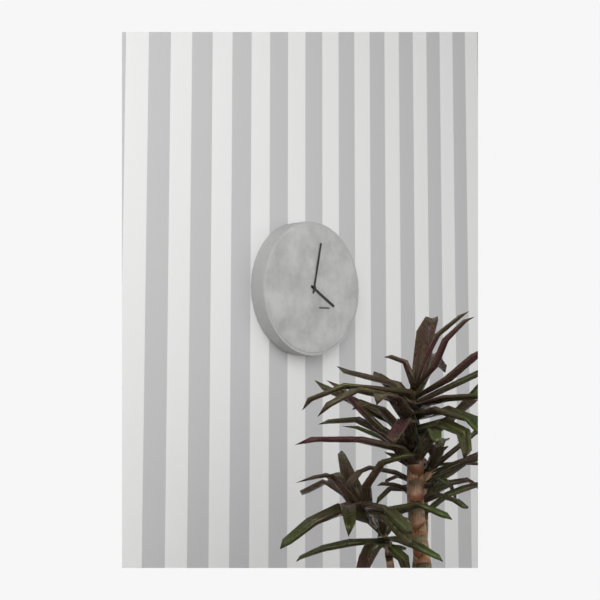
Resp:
**4:02**
